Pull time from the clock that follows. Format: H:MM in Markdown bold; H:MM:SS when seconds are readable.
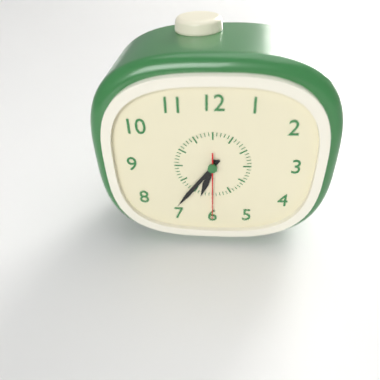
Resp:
**6:36:30**
